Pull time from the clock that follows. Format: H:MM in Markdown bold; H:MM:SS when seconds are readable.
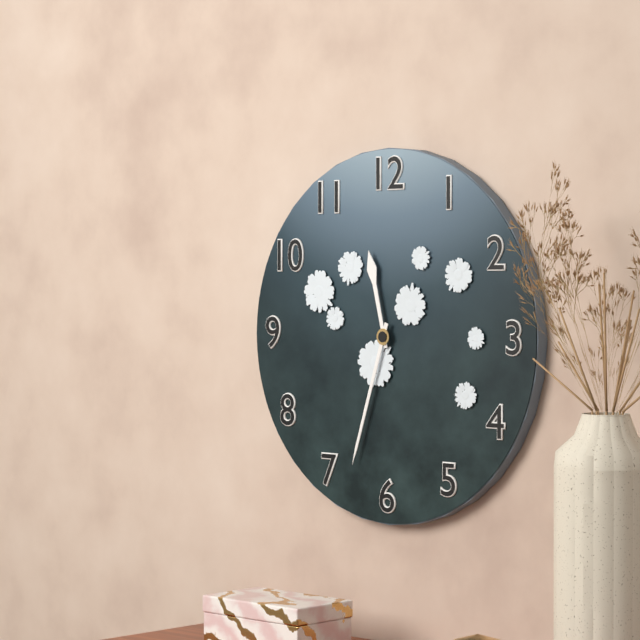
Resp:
**11:33**
